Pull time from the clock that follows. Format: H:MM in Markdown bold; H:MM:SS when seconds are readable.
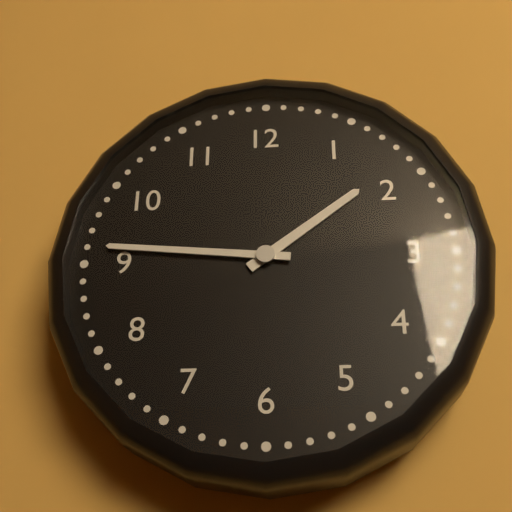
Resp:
**1:46**
